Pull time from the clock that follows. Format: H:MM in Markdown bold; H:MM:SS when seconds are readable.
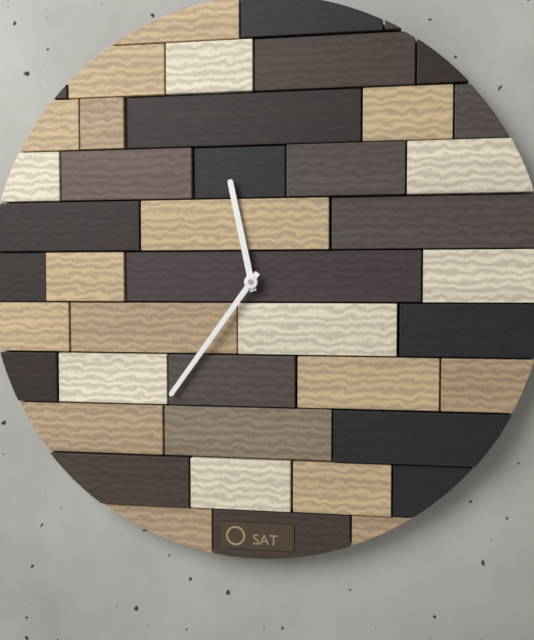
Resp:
**11:36**
